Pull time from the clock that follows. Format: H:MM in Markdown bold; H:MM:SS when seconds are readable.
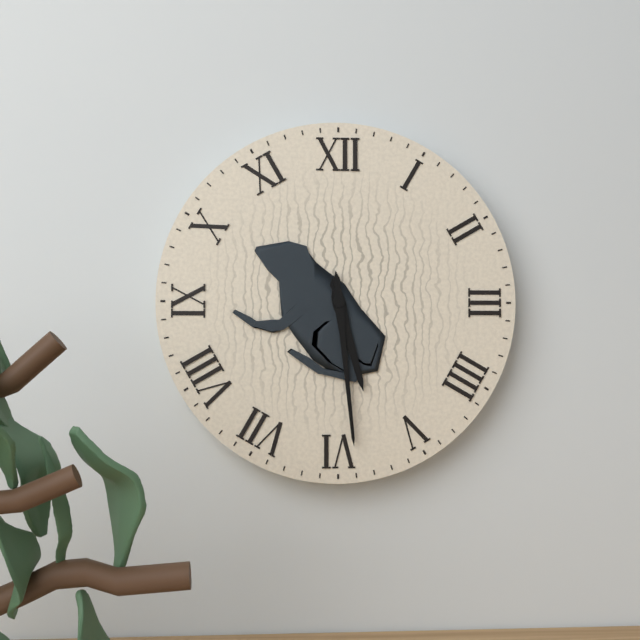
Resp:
**5:29**
